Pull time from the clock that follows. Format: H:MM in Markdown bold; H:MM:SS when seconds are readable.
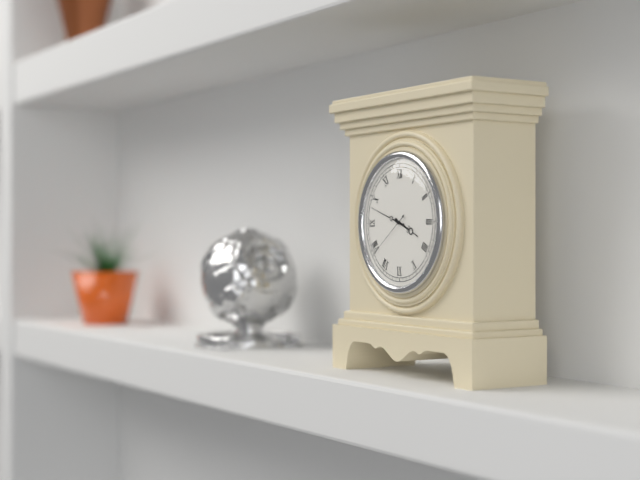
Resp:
**3:48:39**
